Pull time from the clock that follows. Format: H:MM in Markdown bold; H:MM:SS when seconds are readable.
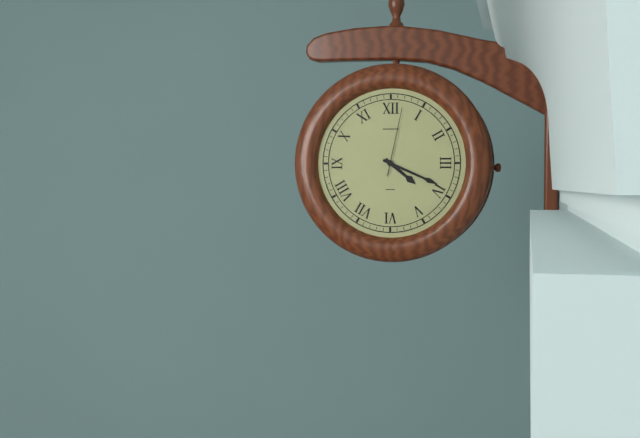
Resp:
**4:19:02**
